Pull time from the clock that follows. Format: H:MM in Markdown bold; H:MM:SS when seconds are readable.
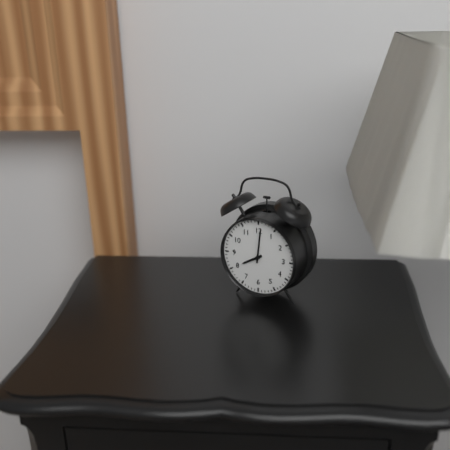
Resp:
**8:01**
